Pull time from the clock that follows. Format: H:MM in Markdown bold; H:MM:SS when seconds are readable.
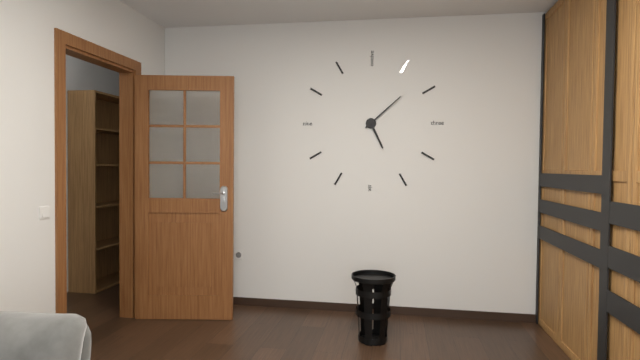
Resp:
**5:08**
